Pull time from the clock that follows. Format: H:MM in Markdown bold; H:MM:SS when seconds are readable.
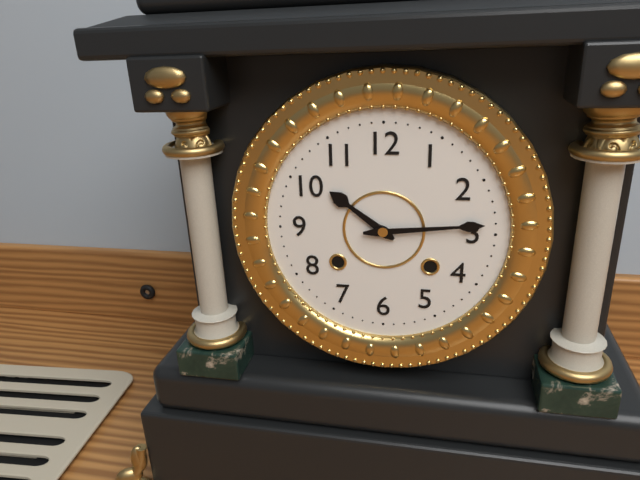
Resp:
**10:14**
